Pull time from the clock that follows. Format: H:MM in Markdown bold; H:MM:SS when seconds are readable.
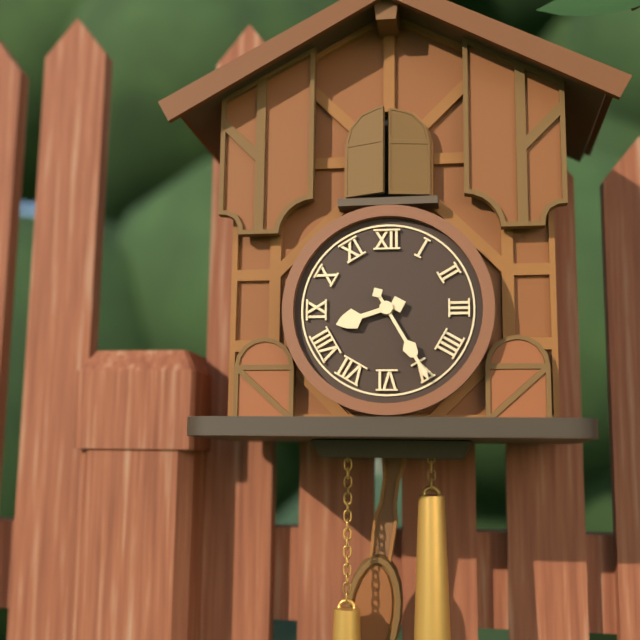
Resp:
**8:25**
